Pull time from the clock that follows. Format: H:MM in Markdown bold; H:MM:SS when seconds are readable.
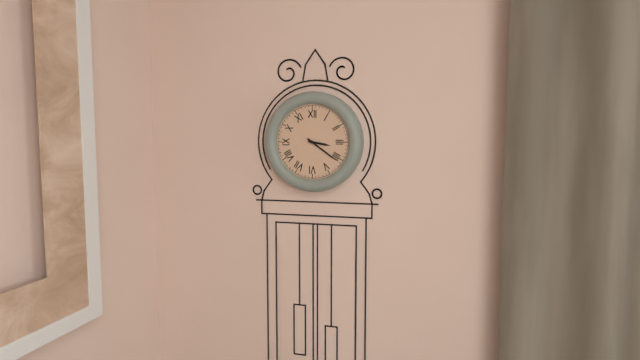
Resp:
**3:21**
